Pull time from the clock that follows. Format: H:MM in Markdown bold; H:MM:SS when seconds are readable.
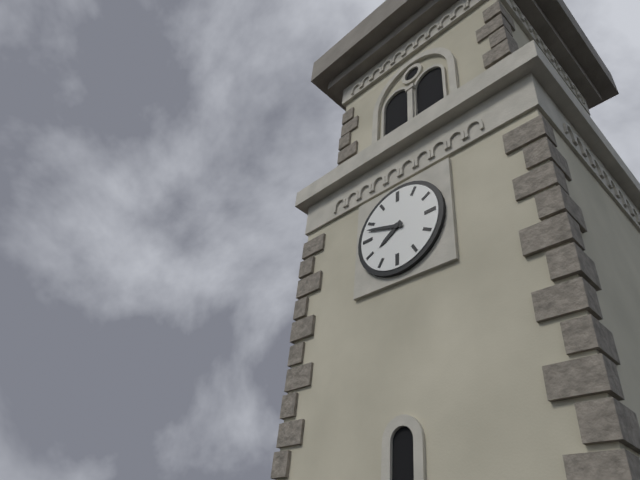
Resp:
**7:48**
